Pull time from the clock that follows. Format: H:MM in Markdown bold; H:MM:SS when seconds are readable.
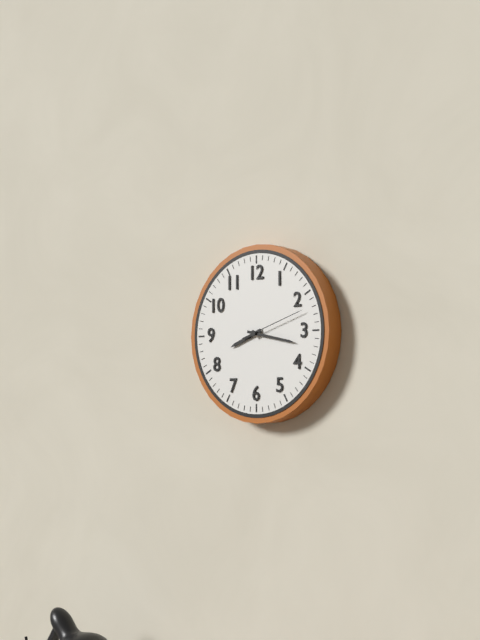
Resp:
**8:17:12**
